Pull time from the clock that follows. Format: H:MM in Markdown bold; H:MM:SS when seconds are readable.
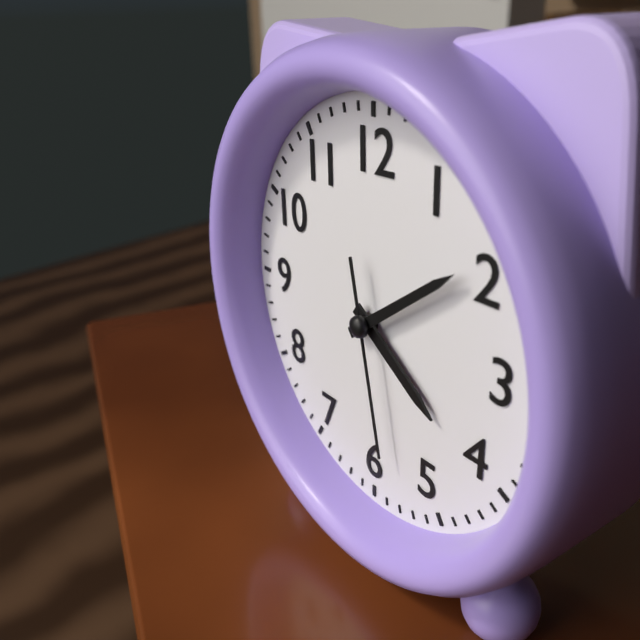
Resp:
**4:09:28**
